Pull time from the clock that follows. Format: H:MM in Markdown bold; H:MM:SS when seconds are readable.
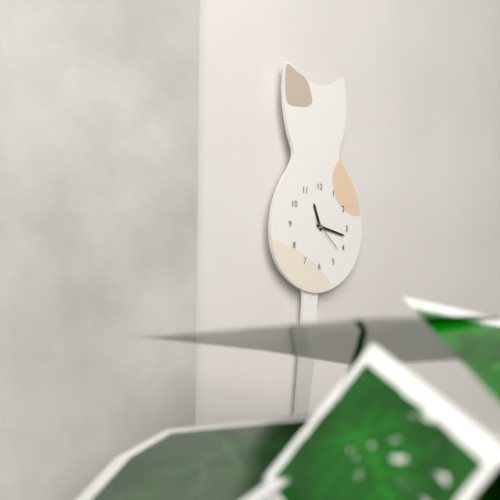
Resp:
**11:17**
